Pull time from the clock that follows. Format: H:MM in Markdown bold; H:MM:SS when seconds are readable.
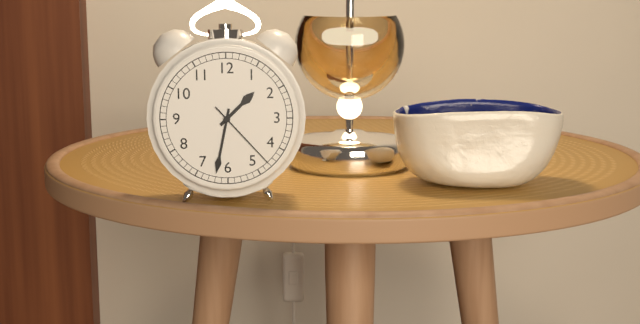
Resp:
**1:32:23**
